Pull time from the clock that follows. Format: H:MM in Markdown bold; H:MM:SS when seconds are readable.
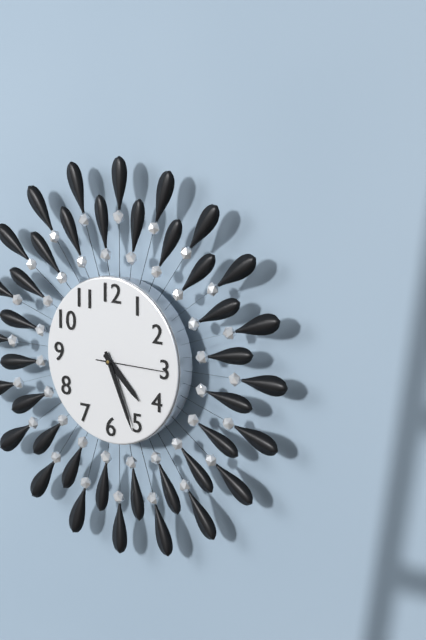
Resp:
**4:26**
